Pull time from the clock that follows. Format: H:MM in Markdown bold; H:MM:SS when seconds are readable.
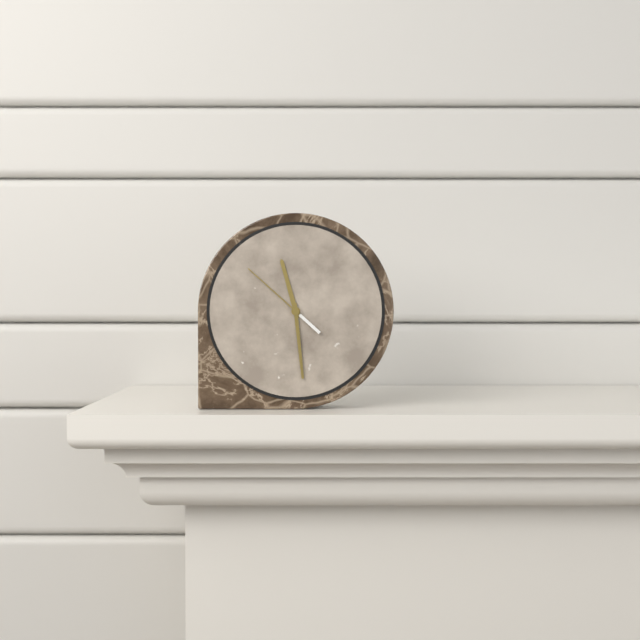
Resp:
**11:29:52**
